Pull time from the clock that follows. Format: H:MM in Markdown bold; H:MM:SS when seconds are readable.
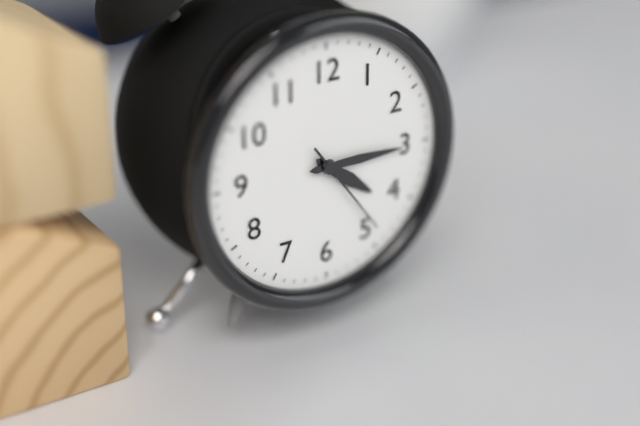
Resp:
**4:15:24**
